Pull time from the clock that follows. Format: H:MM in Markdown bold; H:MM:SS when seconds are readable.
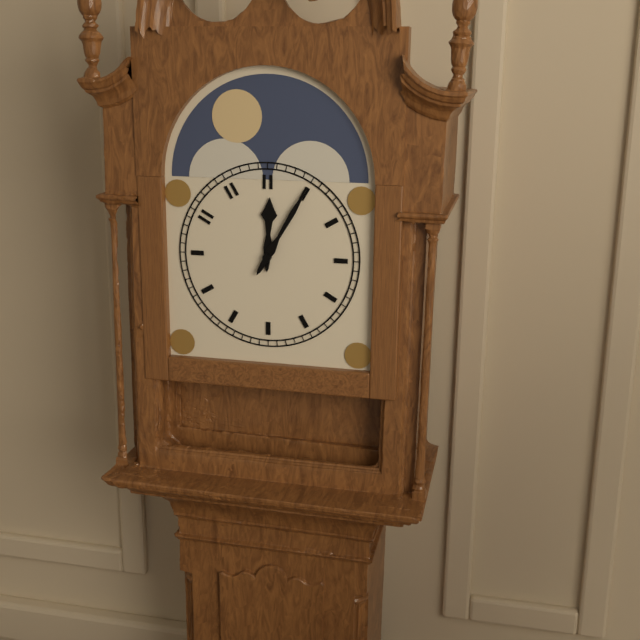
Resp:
**12:05**
